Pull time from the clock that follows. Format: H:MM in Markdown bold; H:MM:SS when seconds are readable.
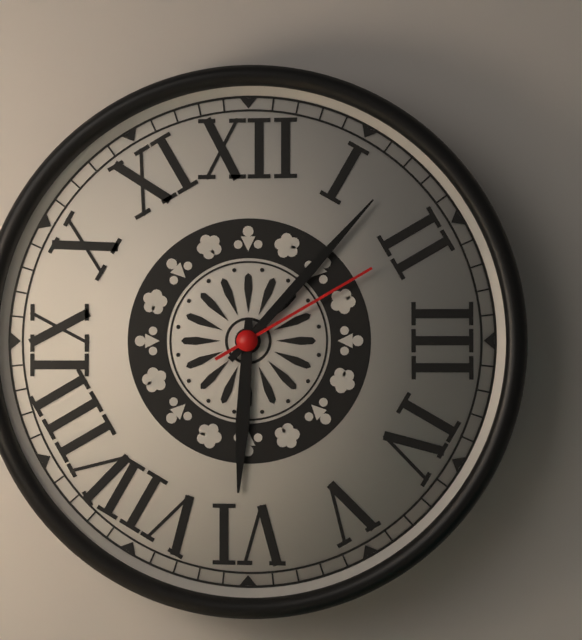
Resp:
**6:07:10**
